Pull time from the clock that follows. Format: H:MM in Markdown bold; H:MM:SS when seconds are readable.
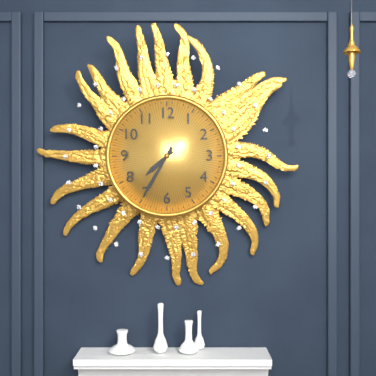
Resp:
**7:35**
